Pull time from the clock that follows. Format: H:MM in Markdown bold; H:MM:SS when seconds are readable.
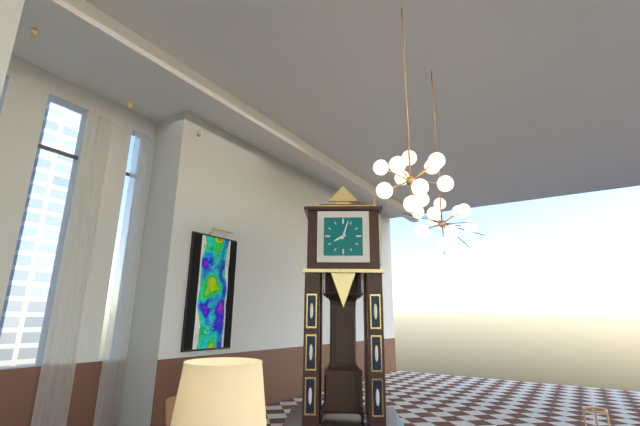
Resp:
**8:03**
